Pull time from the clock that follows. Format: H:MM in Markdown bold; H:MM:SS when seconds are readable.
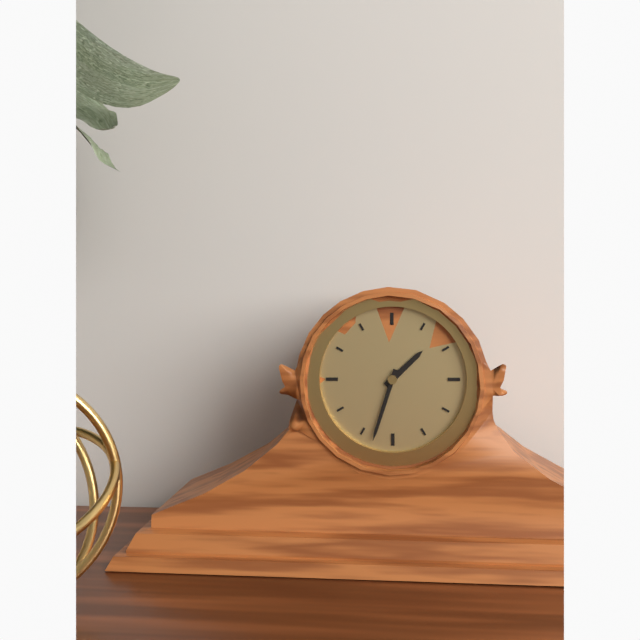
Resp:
**1:33**
